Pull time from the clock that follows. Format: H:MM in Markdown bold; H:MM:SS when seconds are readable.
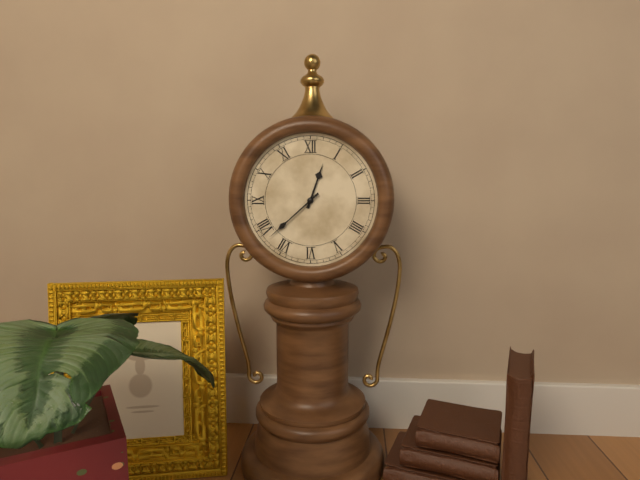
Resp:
**12:38**
